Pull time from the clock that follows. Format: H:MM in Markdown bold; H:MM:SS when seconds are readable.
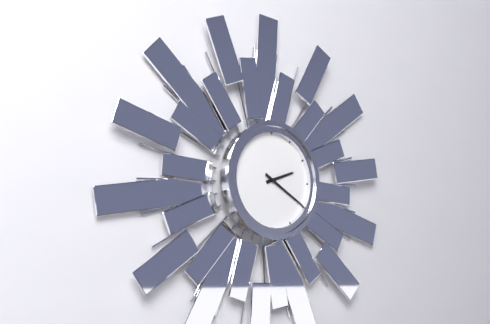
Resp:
**2:20**
